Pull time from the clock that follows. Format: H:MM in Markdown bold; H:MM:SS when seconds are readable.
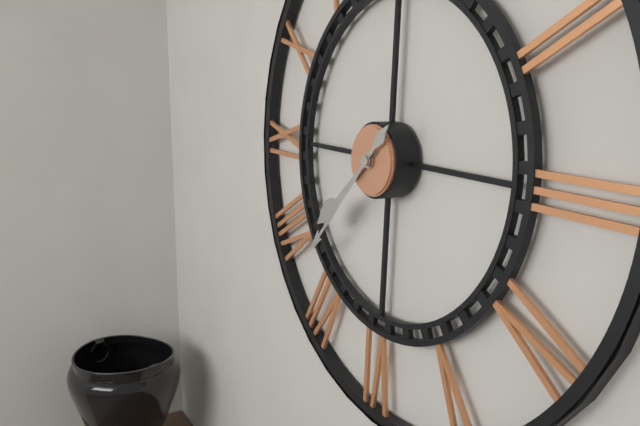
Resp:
**7:37**
